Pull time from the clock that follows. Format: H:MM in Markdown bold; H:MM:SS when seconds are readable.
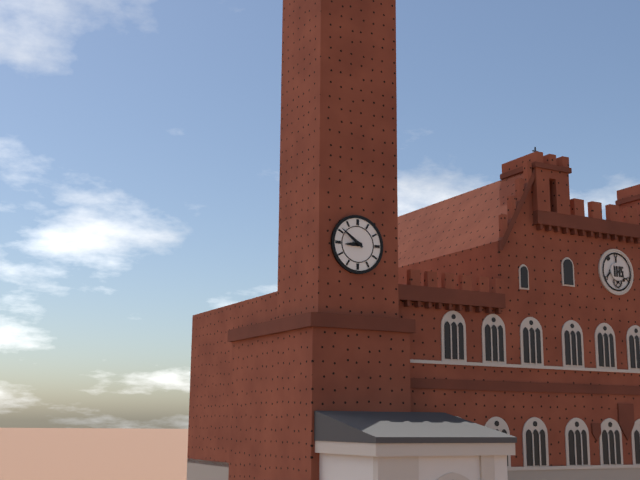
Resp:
**8:51**
